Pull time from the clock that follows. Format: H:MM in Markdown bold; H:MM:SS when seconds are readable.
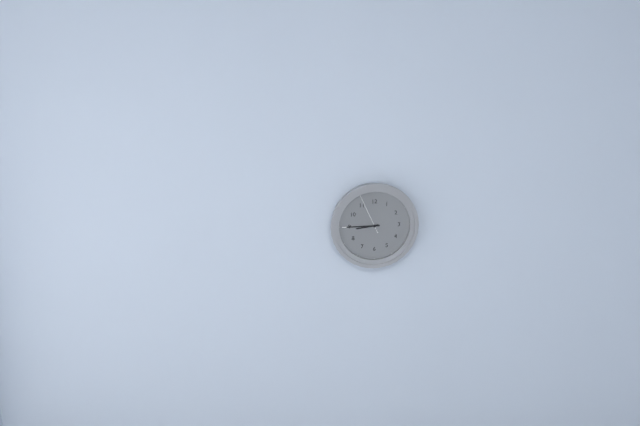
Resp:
**8:45**
